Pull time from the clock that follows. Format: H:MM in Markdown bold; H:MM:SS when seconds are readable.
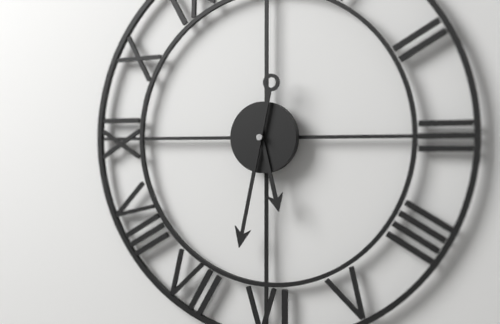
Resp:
**5:32**
